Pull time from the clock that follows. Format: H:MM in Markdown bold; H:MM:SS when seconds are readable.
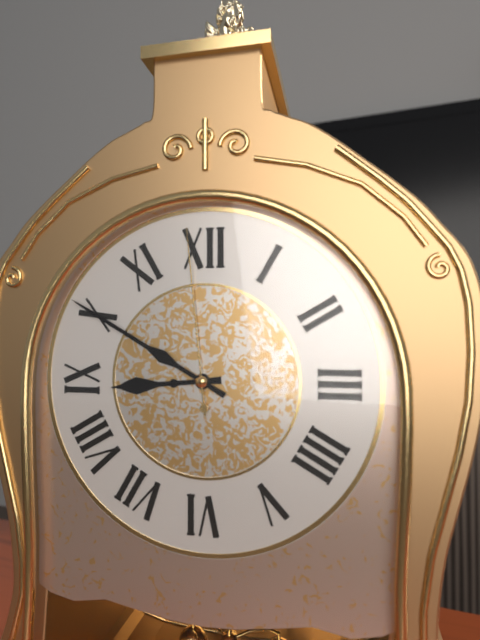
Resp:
**8:50:59**
